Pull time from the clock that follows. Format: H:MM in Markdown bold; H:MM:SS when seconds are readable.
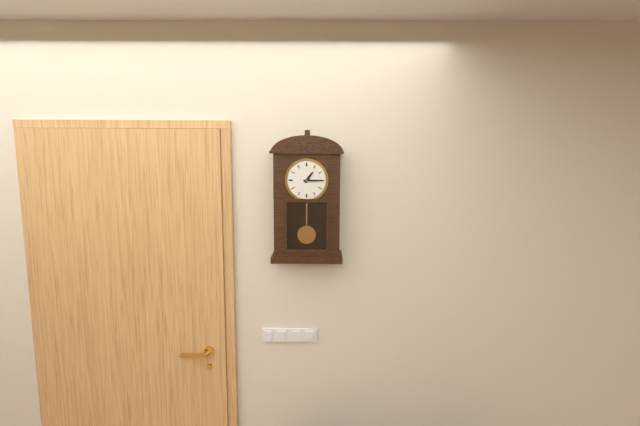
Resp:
**1:15**
